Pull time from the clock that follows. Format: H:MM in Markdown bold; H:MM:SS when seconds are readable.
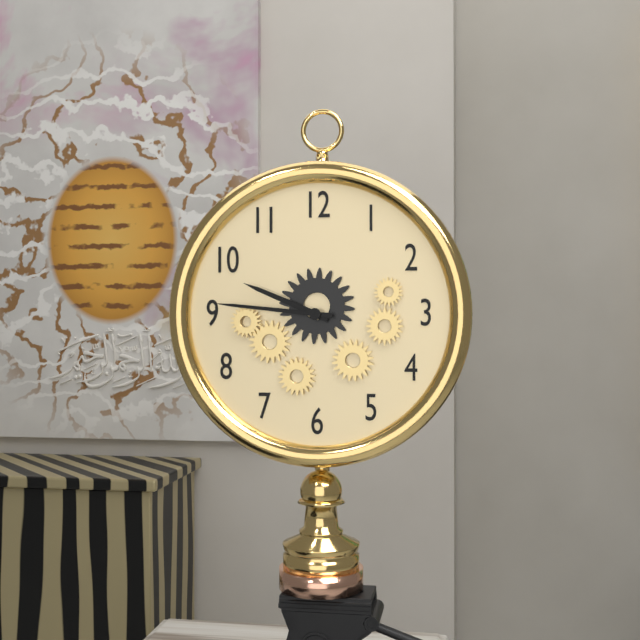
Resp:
**9:46**
